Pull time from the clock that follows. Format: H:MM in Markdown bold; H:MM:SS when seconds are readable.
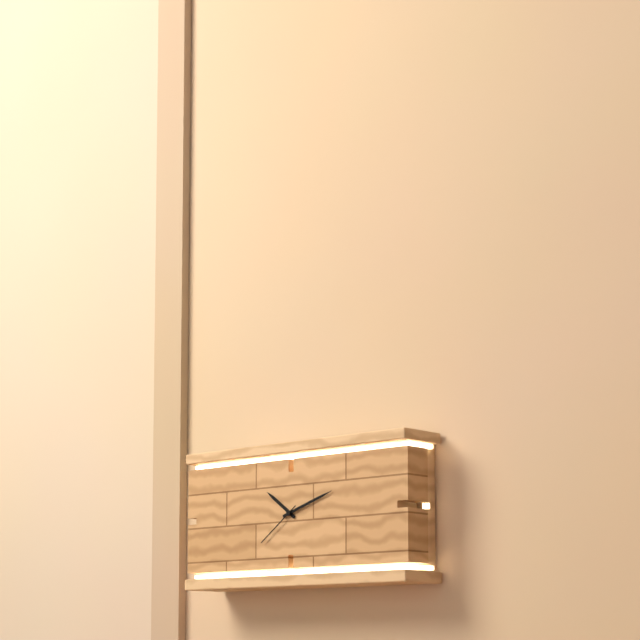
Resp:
**10:12:39**
